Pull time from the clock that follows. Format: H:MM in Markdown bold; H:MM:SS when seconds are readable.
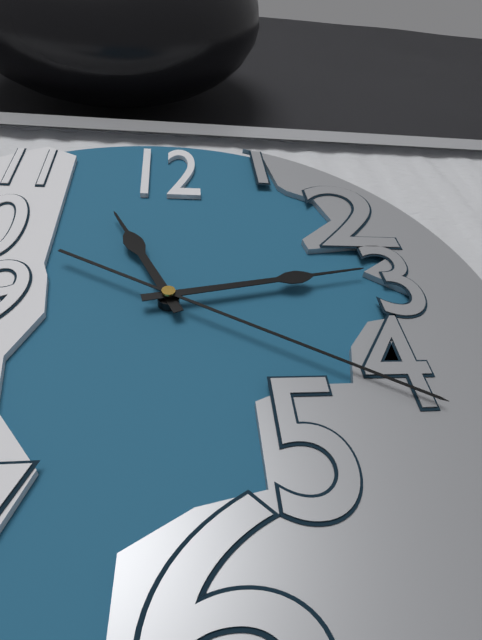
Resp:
**11:13:20**
